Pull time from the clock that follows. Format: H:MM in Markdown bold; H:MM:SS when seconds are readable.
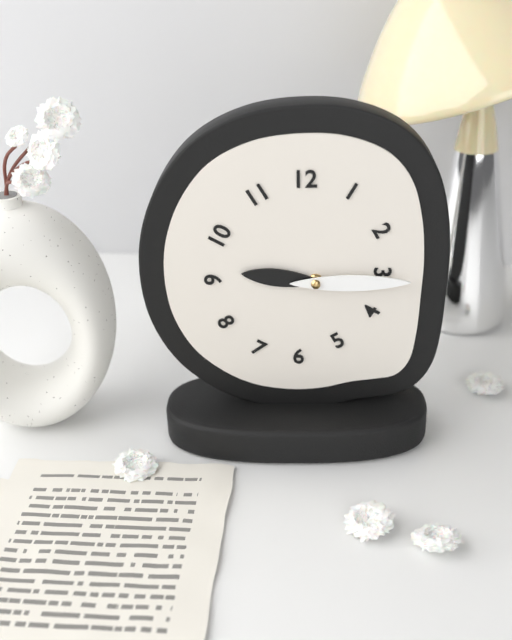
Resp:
**9:15**
